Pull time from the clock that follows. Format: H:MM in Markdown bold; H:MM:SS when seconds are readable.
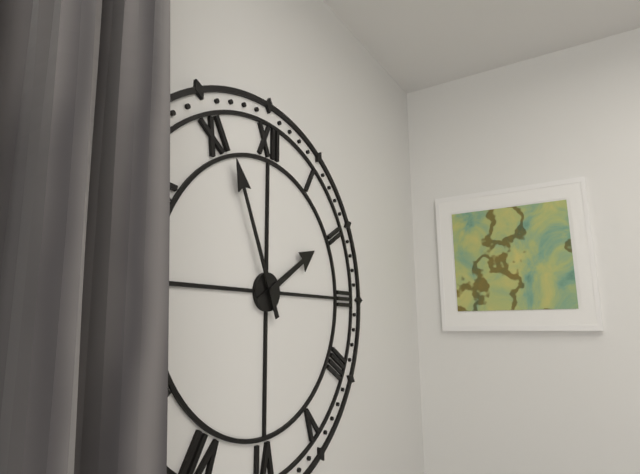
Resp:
**1:56**
